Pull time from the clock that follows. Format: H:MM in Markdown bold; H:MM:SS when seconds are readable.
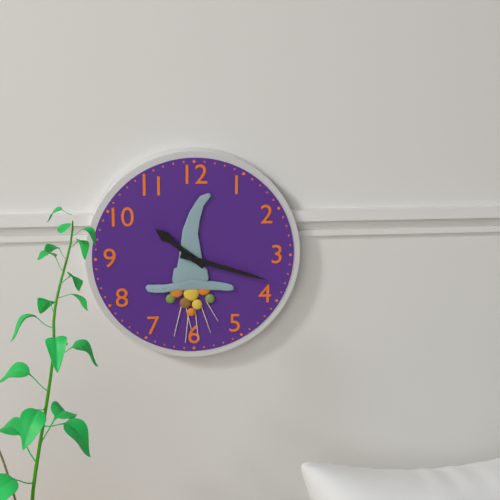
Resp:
**10:18**
